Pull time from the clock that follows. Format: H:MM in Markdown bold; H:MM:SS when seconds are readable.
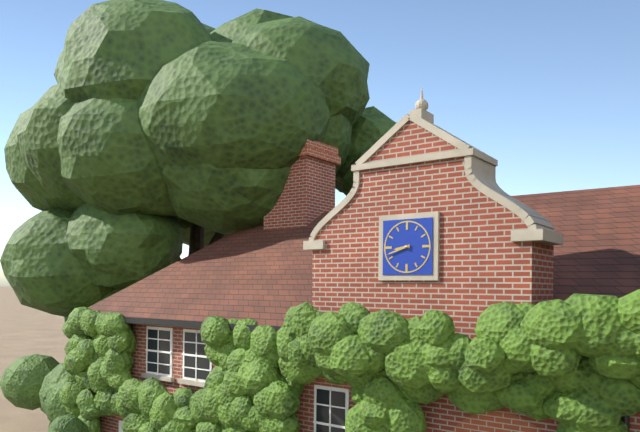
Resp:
**8:42**
